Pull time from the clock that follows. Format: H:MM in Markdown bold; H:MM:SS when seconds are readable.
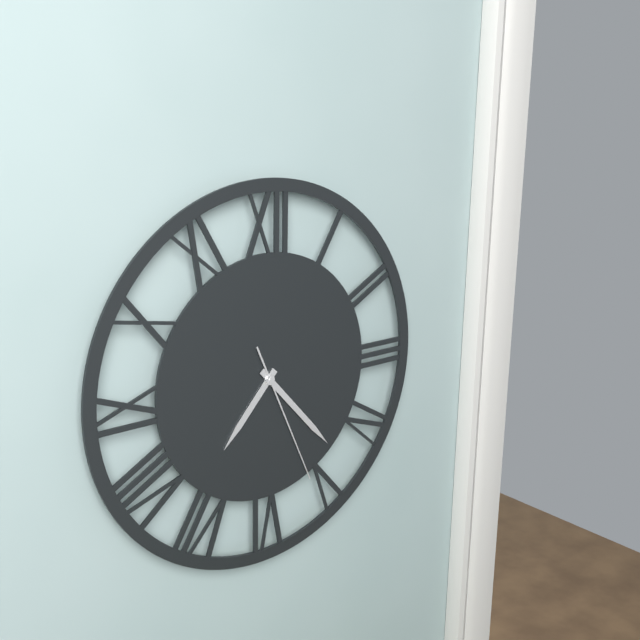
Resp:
**7:23:26**
